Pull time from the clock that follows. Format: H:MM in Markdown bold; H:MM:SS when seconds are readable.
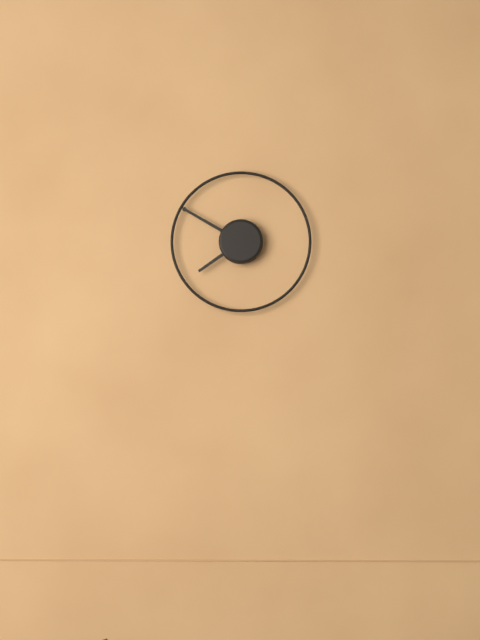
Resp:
**7:50**
